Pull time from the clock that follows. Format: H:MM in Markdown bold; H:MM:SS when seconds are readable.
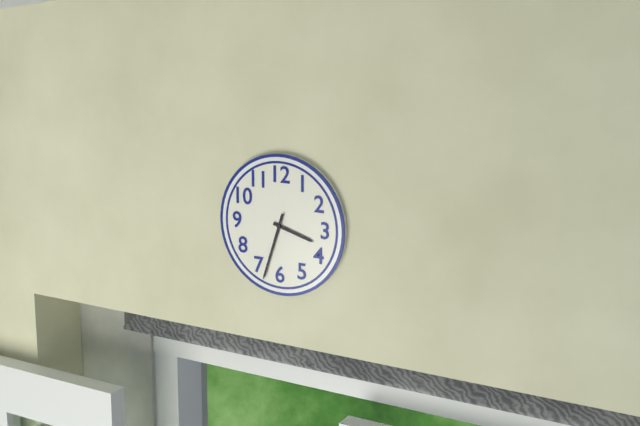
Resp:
**3:33**
